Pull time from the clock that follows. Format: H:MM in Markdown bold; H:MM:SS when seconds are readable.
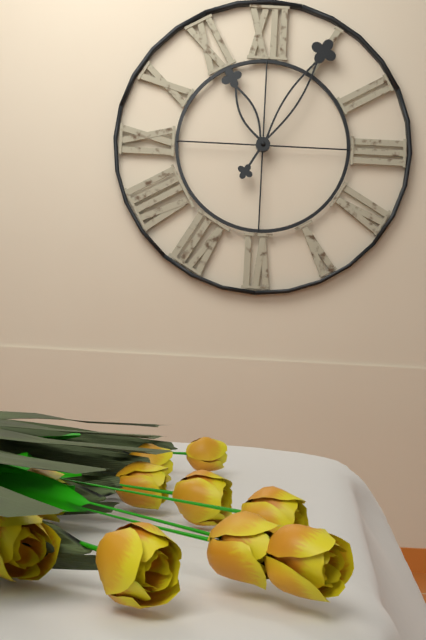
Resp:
**11:05**
